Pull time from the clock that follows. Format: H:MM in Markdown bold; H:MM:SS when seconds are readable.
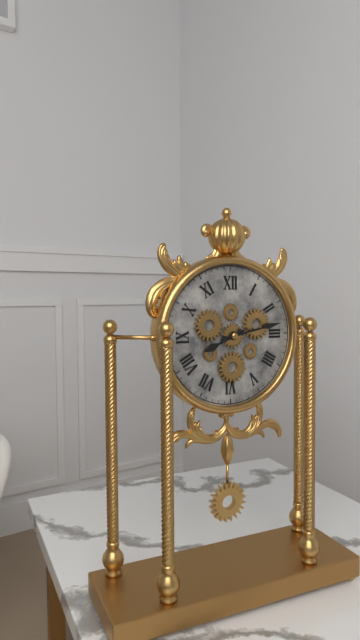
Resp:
**8:13**
